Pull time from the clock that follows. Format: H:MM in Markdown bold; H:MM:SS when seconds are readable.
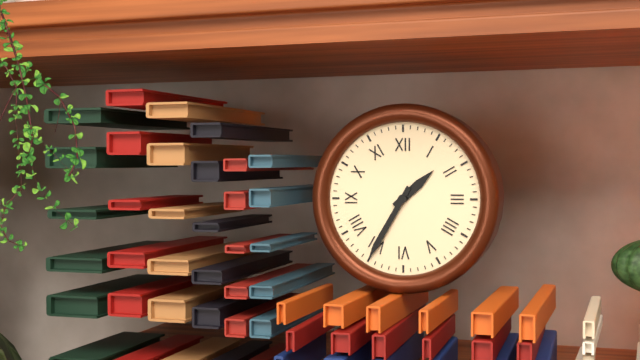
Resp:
**1:35**
